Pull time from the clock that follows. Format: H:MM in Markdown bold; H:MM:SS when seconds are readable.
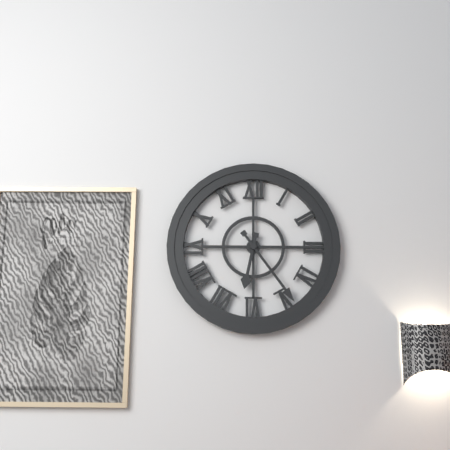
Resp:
**6:24**
